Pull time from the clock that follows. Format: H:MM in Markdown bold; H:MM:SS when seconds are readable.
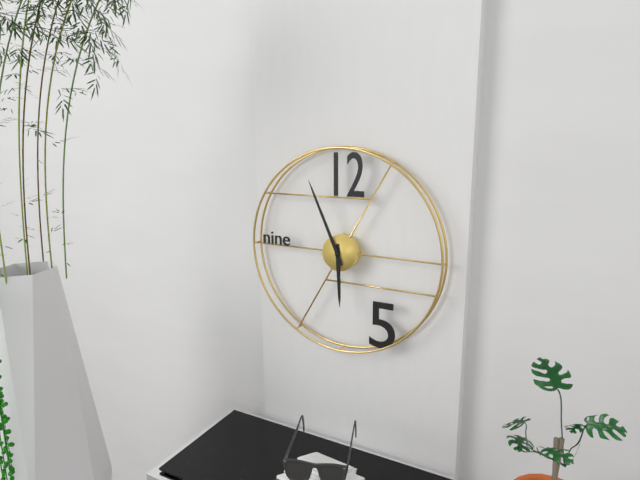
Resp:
**5:56**
